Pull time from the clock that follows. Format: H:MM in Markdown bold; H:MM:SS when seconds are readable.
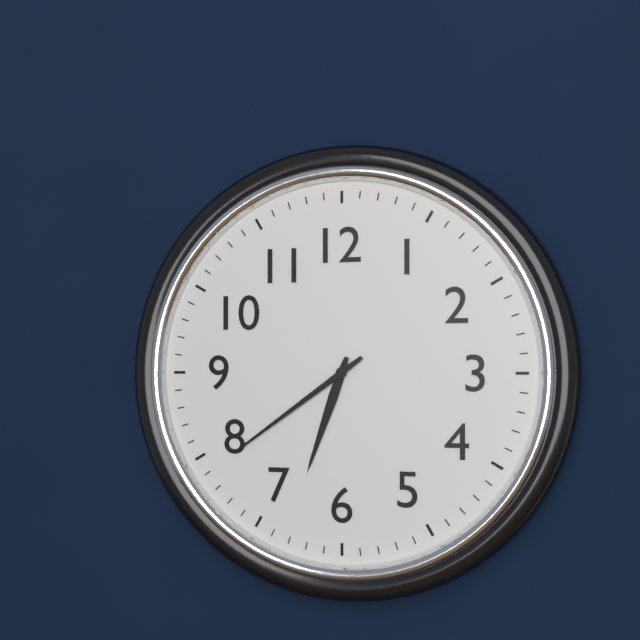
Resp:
**6:39**
